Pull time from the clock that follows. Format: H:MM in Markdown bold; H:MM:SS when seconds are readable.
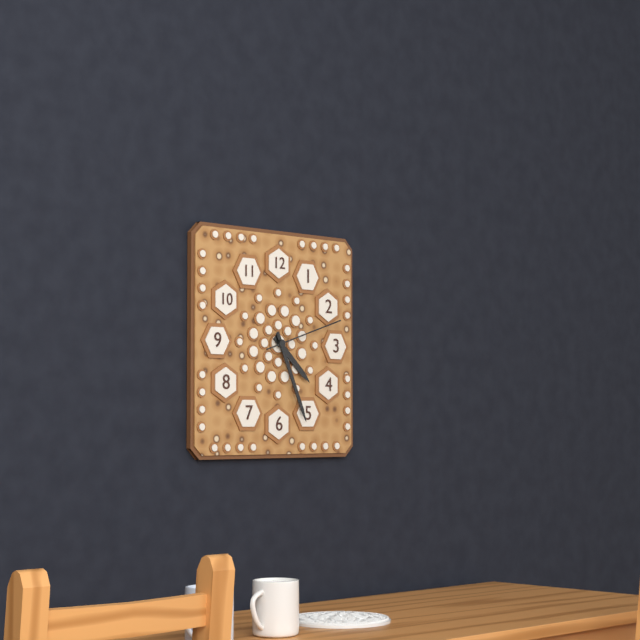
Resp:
**4:26:12**
